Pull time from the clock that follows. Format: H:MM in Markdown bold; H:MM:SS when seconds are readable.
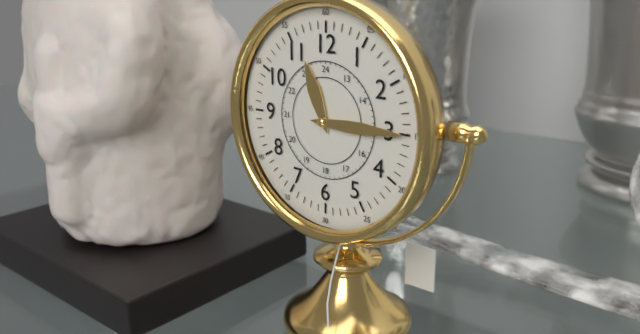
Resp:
**11:15**
